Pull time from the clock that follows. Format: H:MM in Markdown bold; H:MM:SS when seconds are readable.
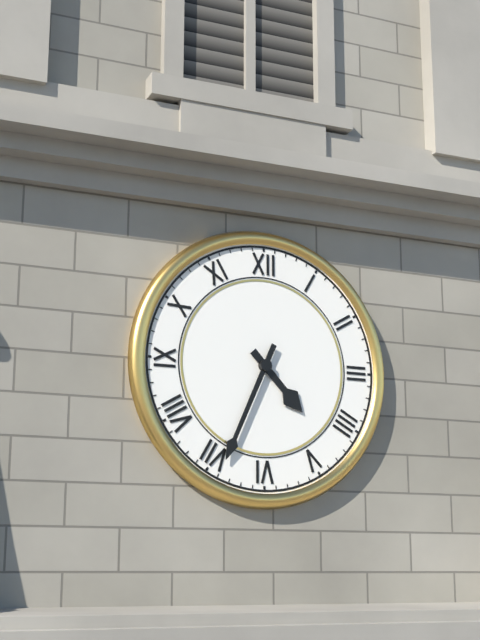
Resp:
**4:34**
